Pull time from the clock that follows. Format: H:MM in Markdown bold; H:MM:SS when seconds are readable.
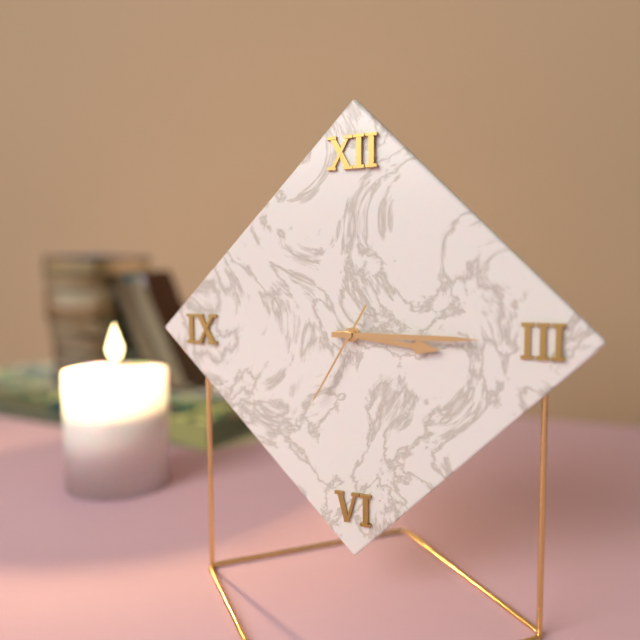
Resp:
**3:15:35**
